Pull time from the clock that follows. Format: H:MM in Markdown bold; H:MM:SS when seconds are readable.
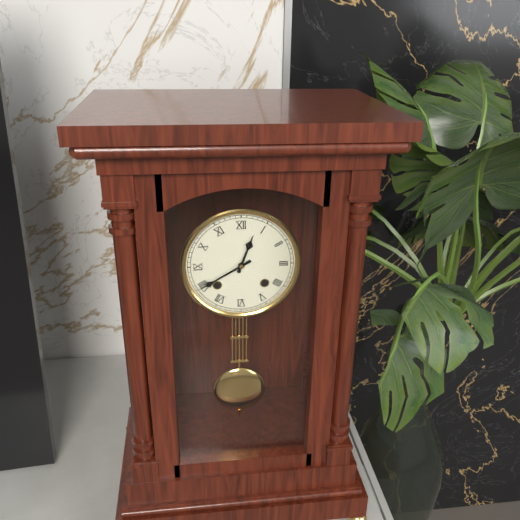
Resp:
**12:40**
